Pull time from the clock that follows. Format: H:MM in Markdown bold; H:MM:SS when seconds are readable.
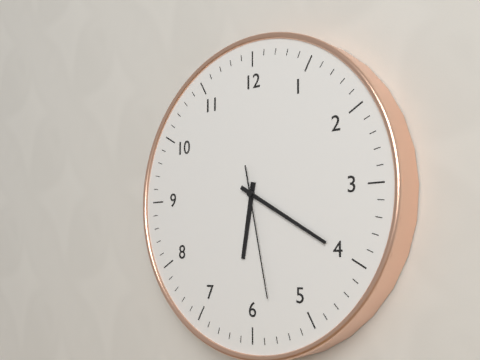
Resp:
**6:20:28**
